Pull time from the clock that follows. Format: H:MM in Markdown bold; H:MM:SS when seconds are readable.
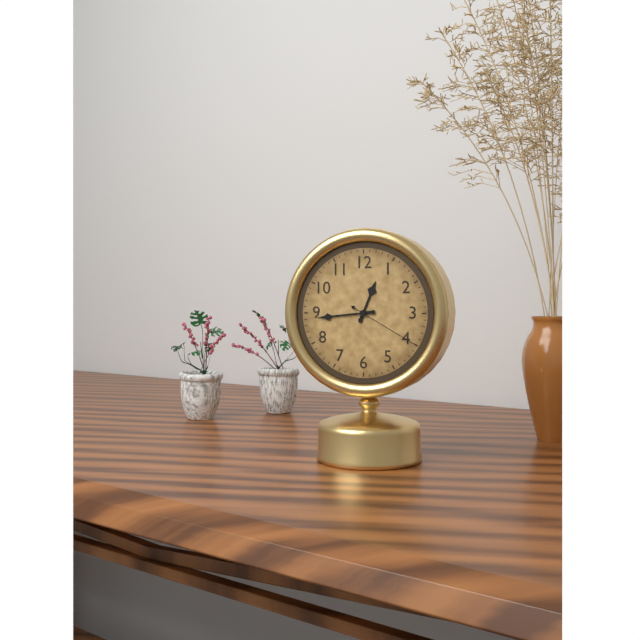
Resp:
**12:44:20**
